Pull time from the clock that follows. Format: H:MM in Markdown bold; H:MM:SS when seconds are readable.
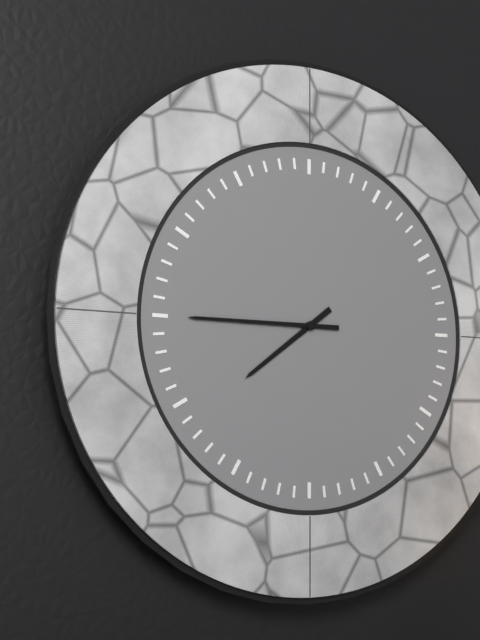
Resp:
**7:45**
